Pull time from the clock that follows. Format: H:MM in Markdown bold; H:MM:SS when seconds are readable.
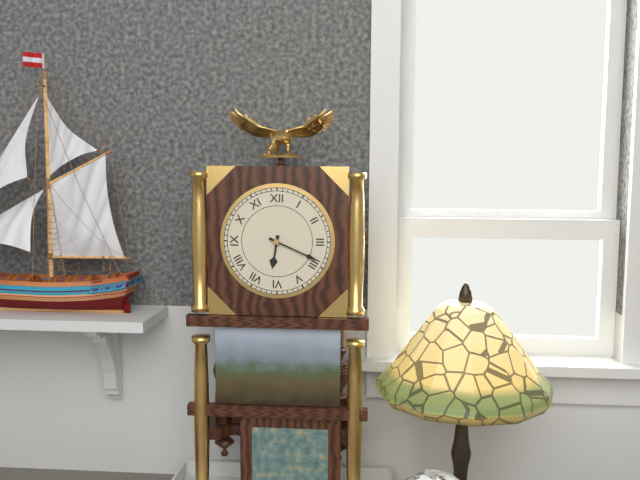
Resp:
**6:19**
